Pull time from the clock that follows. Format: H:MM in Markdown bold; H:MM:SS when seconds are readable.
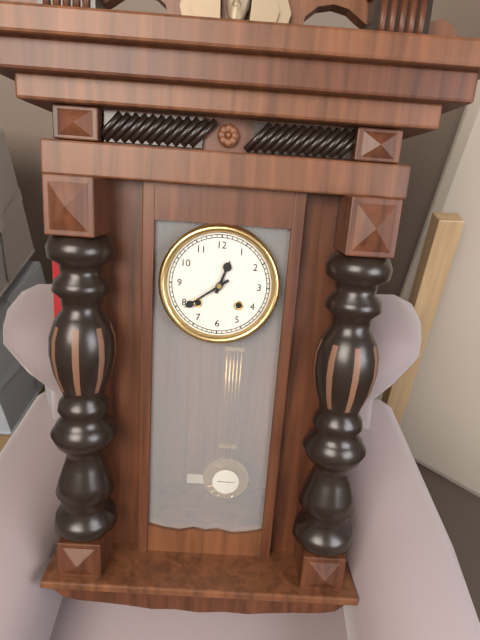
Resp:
**12:39**
